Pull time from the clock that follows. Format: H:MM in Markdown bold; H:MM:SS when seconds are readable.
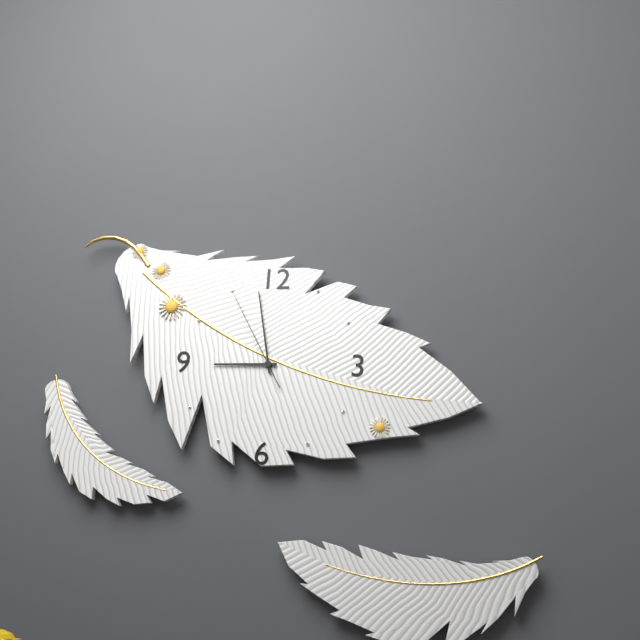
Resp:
**8:58:55**
